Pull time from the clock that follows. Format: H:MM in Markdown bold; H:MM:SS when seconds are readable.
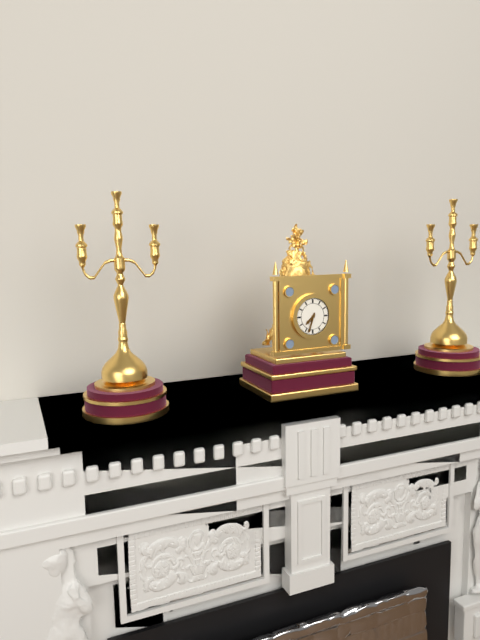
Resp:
**7:33**
